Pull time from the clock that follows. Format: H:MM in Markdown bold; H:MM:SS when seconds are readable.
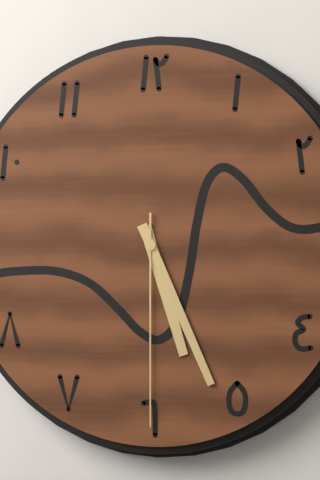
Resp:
**5:26:30**
